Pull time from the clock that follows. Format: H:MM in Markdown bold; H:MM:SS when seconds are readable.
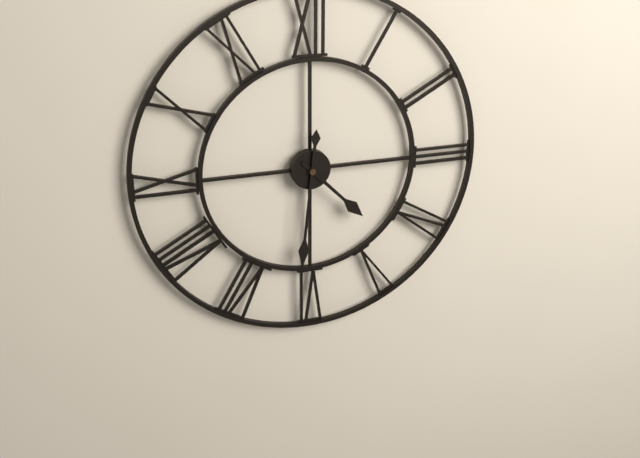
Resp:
**4:31**
